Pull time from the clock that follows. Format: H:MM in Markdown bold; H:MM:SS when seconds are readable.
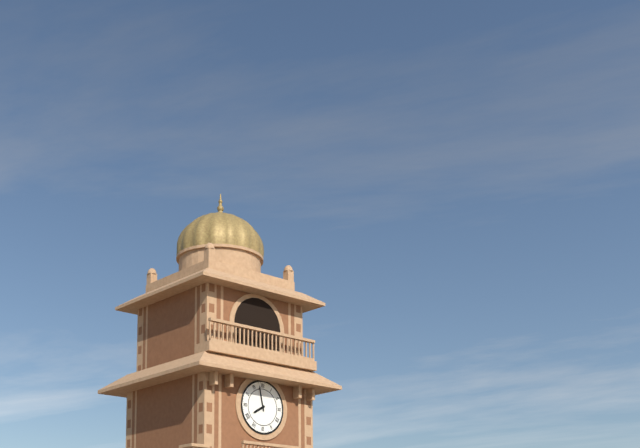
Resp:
**7:58**
